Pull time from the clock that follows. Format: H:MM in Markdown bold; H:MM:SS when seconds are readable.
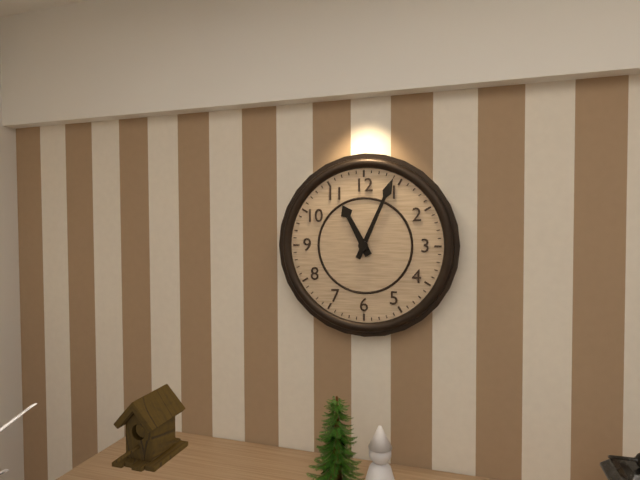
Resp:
**11:04**
